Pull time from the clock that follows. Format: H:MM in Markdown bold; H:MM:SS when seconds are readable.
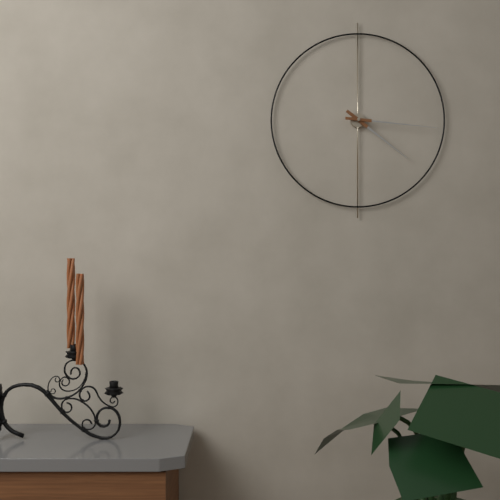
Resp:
**4:16**
